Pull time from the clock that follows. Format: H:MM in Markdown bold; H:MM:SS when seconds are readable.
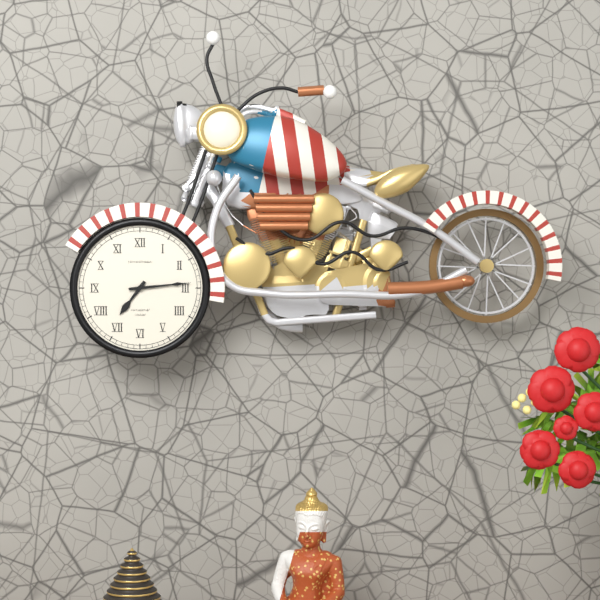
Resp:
**7:14**
